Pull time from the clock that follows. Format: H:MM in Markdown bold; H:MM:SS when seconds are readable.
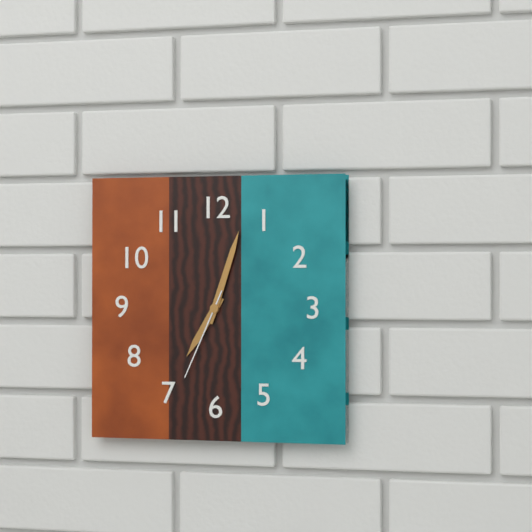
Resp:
**7:03:34**
